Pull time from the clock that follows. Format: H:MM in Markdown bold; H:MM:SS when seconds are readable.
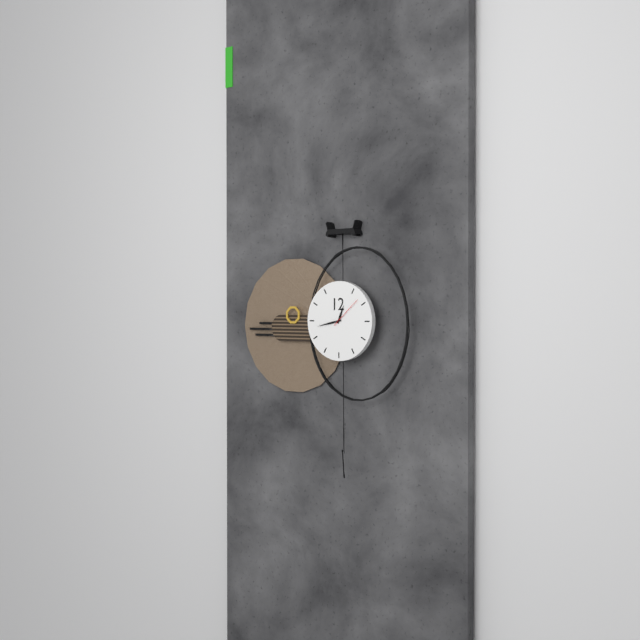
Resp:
**12:43**
